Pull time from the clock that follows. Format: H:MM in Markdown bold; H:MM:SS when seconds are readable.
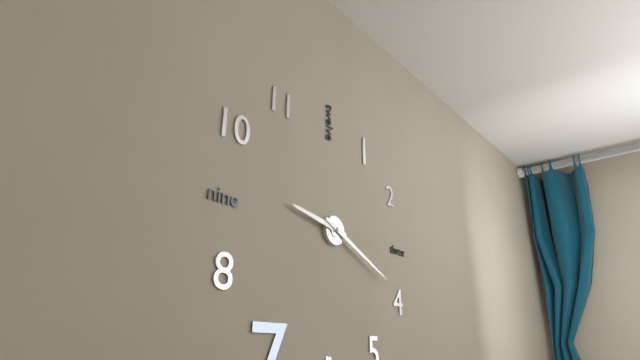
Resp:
**9:19**
